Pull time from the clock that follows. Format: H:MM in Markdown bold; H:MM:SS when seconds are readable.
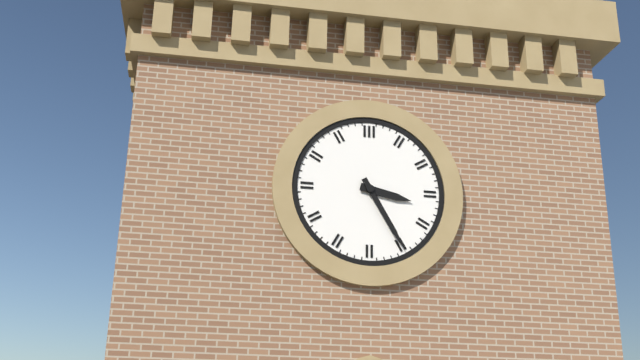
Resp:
**3:25**
